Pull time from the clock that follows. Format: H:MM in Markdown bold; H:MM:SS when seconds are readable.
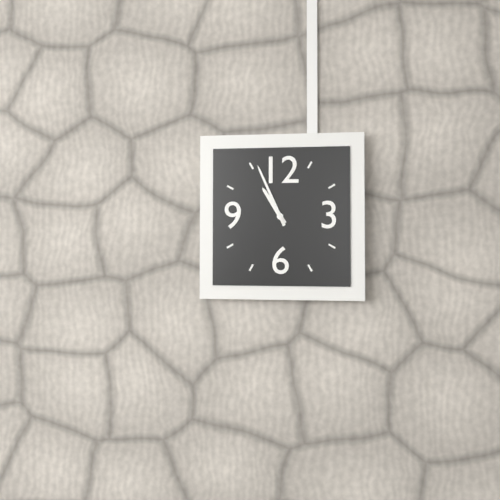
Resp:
**10:56**
